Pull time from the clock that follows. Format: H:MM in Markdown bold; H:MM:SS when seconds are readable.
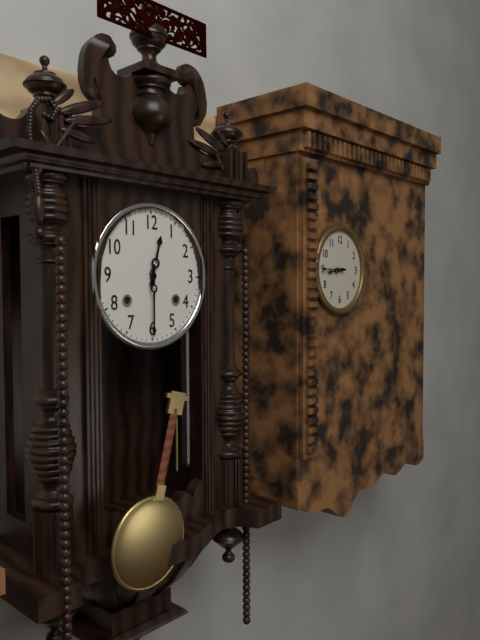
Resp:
**12:30**
